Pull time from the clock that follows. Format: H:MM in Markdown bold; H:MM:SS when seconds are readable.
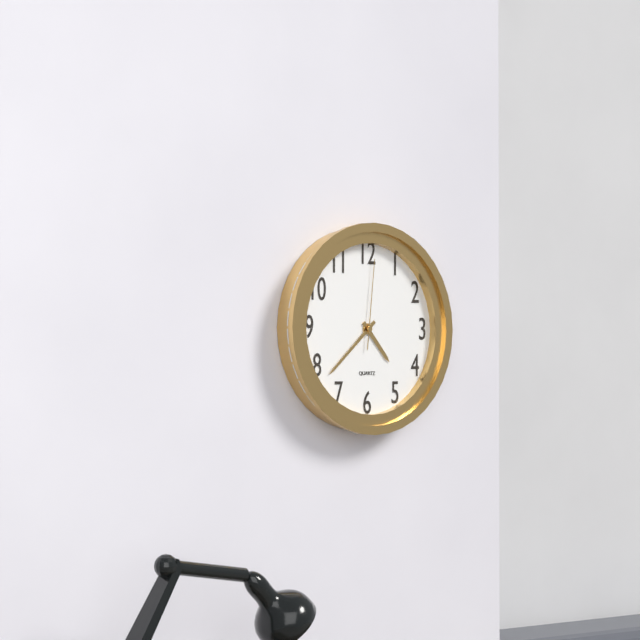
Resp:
**4:38:01**
